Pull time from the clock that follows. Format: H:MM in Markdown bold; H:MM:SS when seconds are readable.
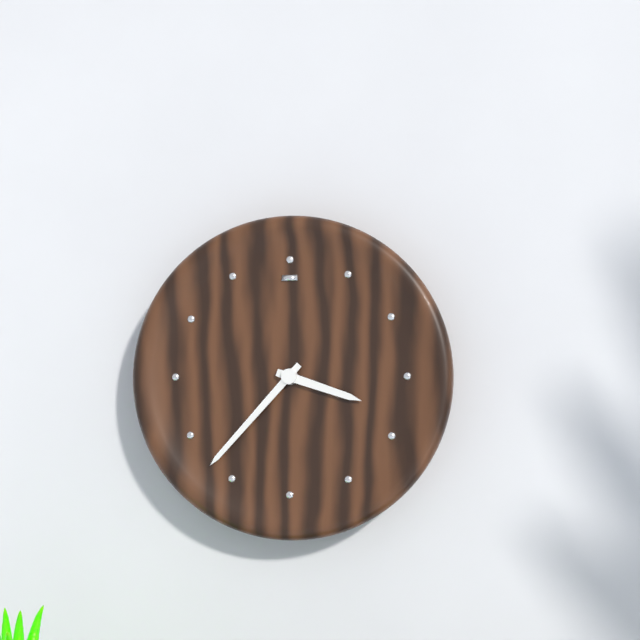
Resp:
**3:37**
